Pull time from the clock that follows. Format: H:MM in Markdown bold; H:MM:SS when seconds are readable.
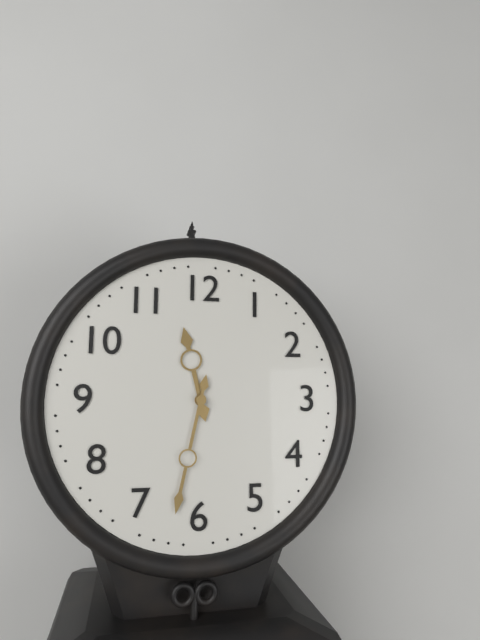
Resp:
**11:32**
